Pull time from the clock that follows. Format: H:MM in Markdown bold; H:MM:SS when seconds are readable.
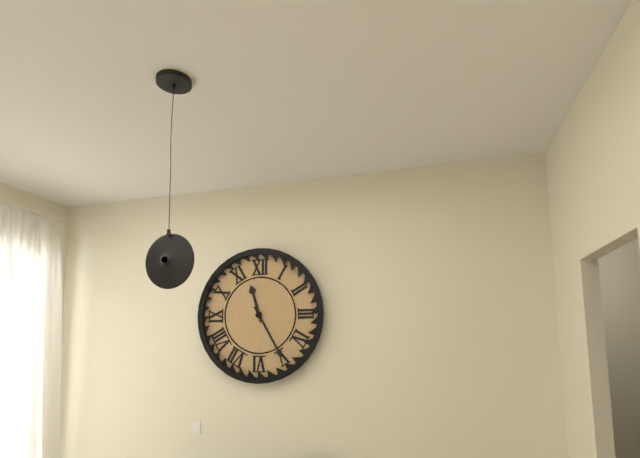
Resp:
**11:25**
